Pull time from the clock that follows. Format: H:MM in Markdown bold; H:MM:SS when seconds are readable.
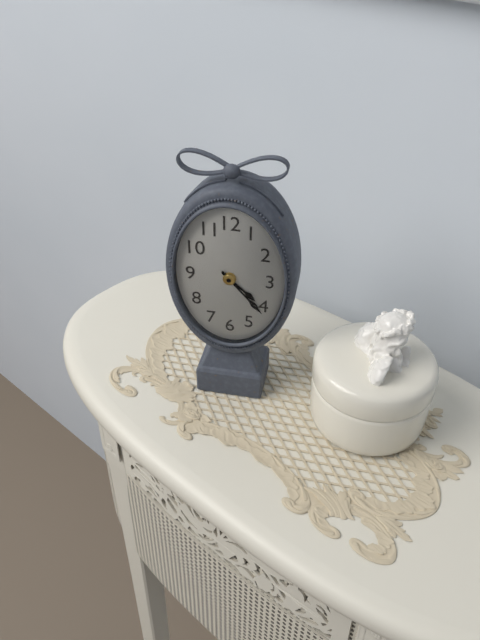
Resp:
**4:23**
